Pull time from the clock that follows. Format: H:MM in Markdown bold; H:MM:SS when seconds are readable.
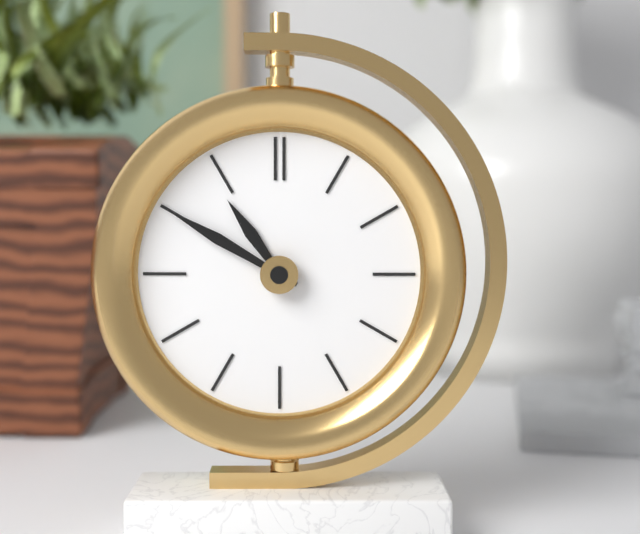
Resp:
**10:50**
